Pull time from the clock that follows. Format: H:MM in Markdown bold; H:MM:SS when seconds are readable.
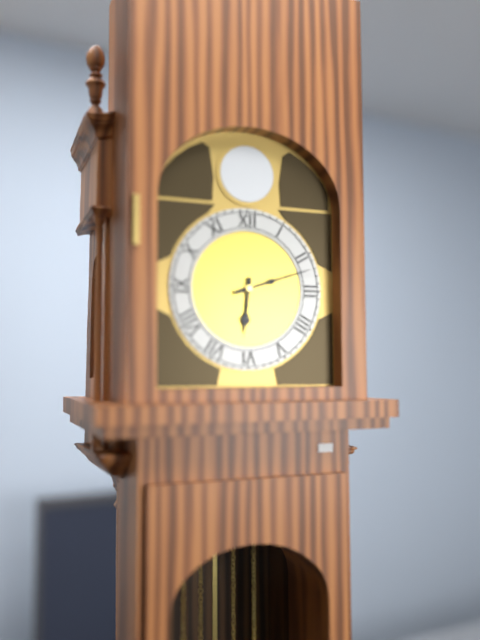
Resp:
**6:12**
